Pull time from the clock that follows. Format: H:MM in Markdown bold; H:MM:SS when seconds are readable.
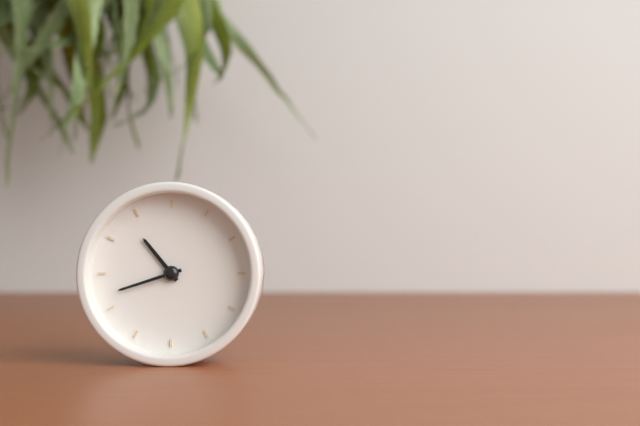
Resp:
**10:42**
